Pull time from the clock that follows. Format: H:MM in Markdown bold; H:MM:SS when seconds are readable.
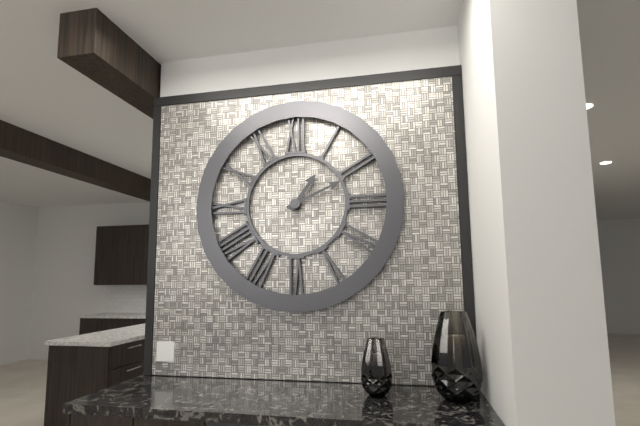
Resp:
**1:11**
